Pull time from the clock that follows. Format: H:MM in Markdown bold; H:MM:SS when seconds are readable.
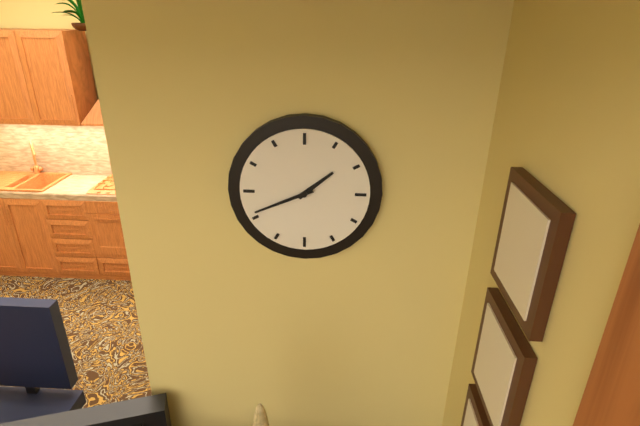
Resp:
**1:41**
